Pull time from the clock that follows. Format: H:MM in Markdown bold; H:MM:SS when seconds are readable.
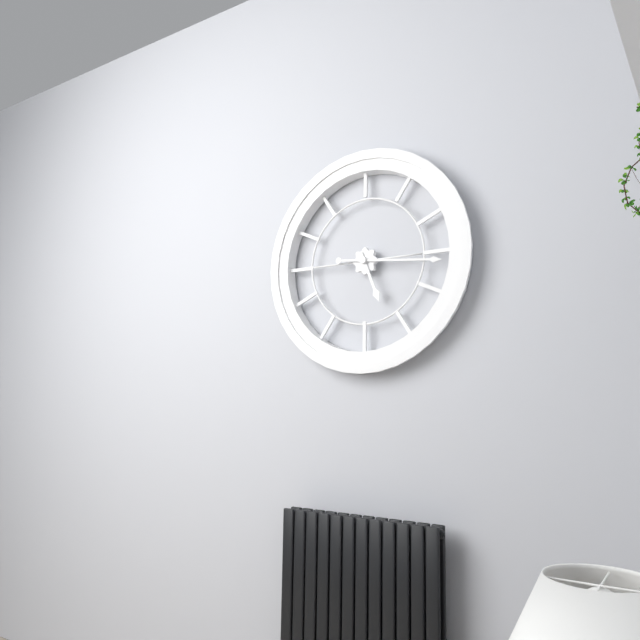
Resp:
**5:16**
